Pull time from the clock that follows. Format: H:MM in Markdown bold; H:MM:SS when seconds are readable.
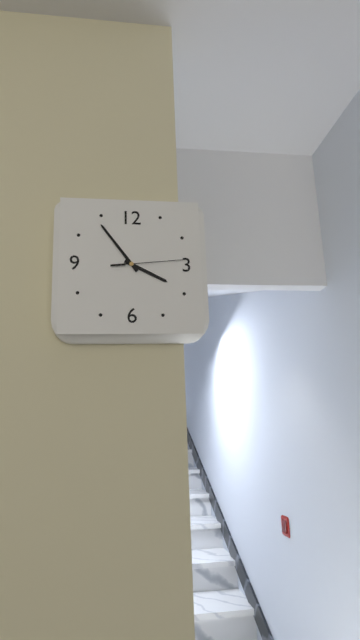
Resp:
**3:54:14**
